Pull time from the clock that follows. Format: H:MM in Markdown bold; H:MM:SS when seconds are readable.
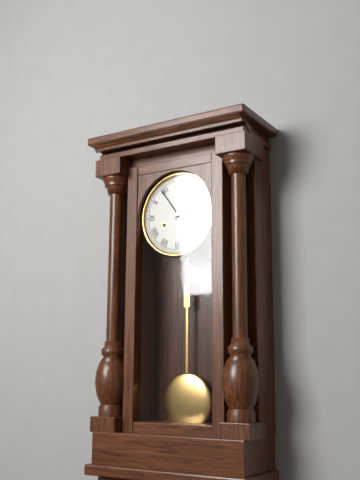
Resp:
**12:54**
